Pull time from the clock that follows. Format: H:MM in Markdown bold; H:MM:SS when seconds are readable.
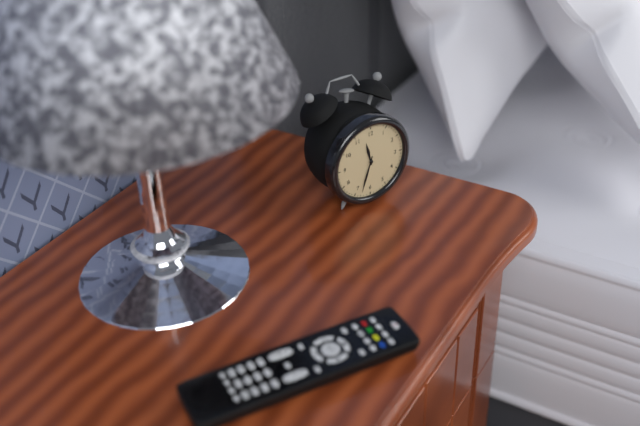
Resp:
**11:33**
